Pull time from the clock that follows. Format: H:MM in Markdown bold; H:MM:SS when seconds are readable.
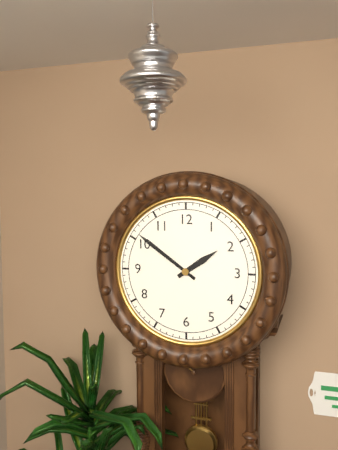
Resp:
**1:51**
